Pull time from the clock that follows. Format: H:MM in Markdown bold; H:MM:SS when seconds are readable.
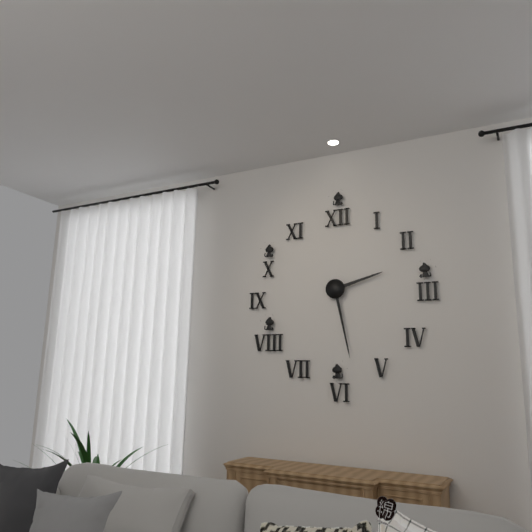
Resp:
**2:28**
